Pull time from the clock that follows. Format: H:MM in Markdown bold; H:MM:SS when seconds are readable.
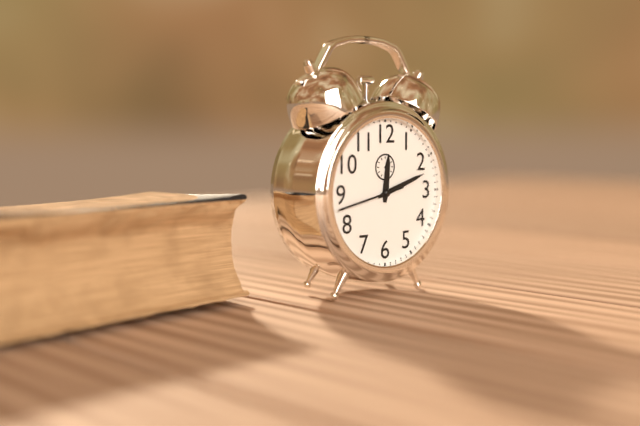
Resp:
**12:12:43**
